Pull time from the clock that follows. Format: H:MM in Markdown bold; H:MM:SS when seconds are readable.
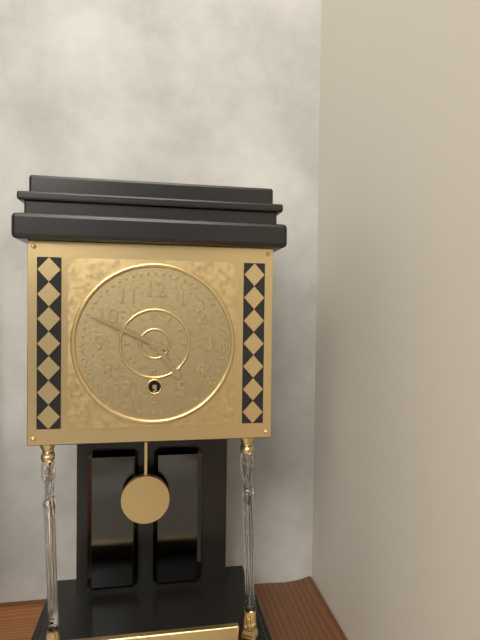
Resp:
**4:49**
